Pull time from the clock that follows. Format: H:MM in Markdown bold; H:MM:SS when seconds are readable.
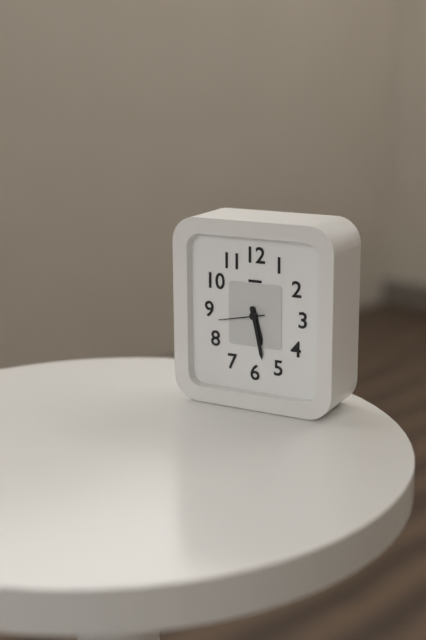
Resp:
**5:28**
